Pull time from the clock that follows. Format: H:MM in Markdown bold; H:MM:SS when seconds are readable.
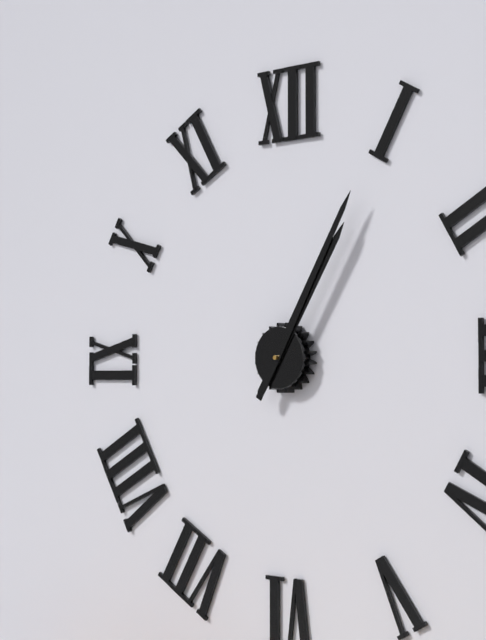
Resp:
**1:05**
